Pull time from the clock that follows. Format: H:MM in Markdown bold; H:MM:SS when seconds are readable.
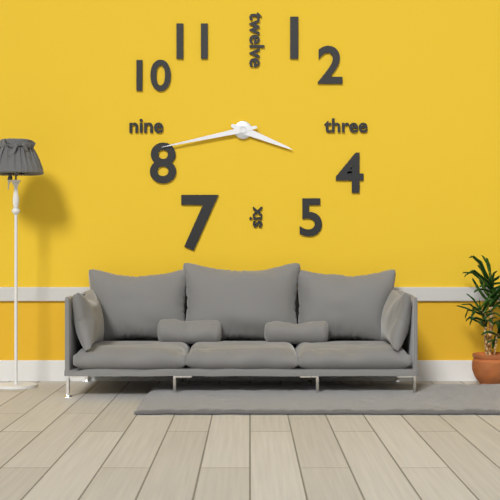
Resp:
**3:43**
